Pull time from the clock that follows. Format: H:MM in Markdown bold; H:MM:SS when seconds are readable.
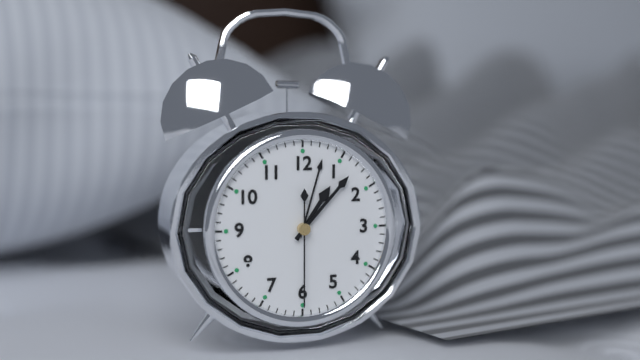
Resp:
**1:07:30**
